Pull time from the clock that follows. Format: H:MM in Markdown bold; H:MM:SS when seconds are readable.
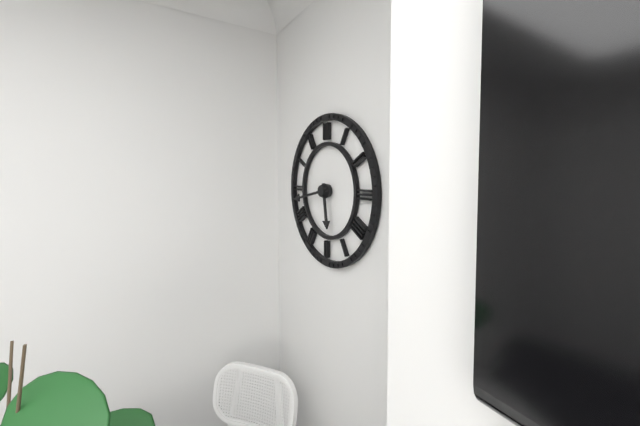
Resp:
**5:43**
